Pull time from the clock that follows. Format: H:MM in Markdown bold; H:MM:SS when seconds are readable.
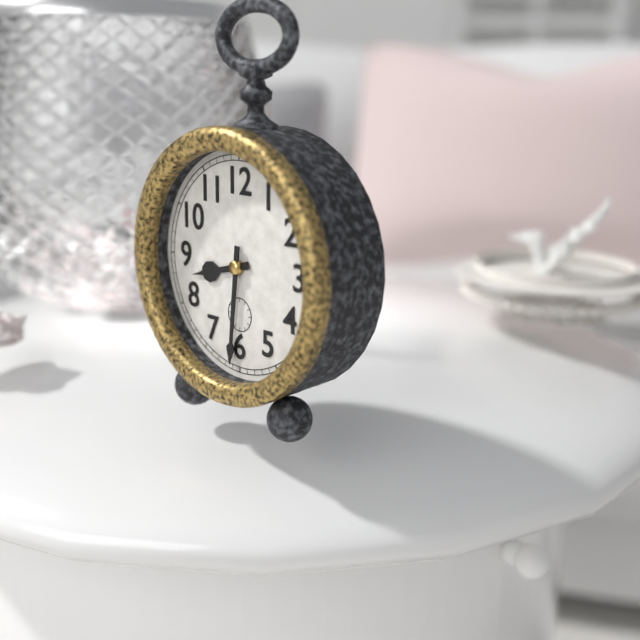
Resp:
**8:31**
